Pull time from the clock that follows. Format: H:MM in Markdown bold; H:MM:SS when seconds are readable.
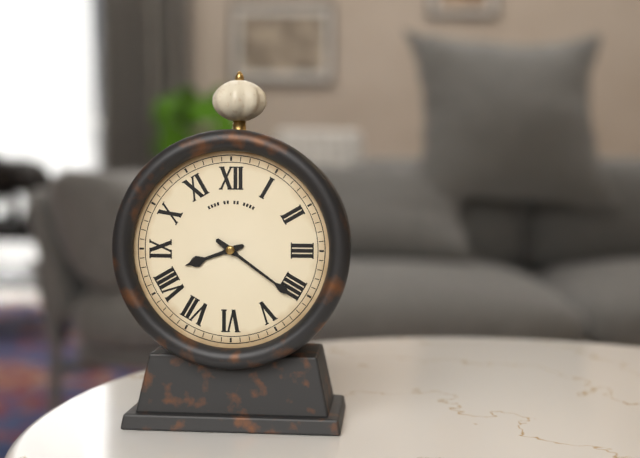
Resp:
**8:21**
